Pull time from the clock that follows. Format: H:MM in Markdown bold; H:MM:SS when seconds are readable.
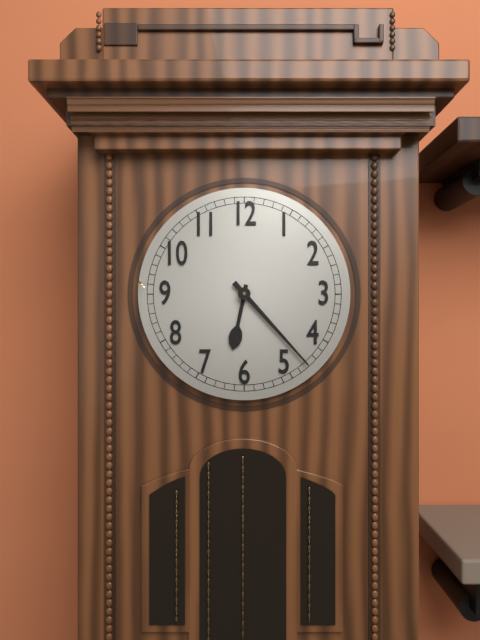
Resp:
**6:23**
